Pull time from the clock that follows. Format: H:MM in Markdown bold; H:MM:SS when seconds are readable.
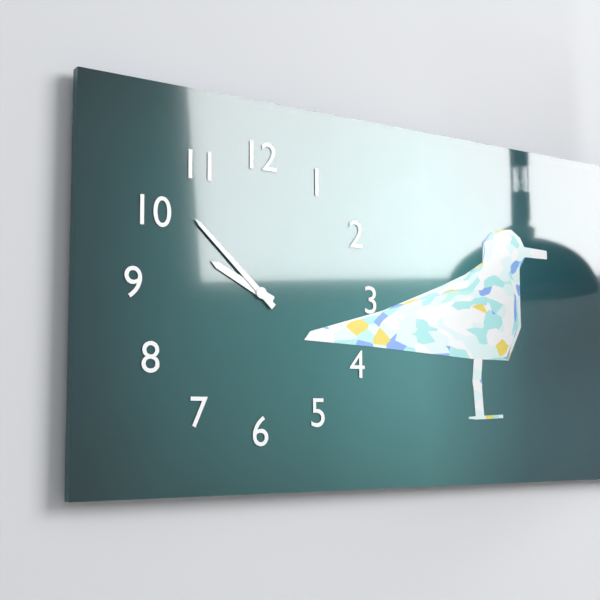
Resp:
**9:52**
